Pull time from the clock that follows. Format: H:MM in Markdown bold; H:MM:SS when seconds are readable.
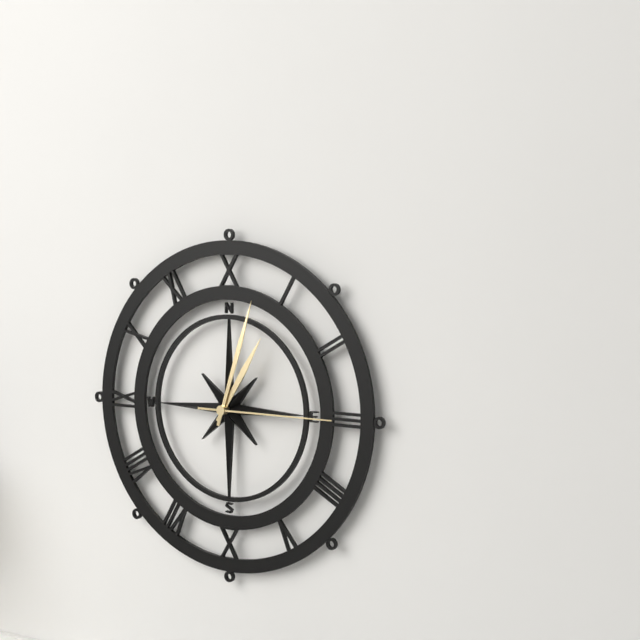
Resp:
**1:03:15**
